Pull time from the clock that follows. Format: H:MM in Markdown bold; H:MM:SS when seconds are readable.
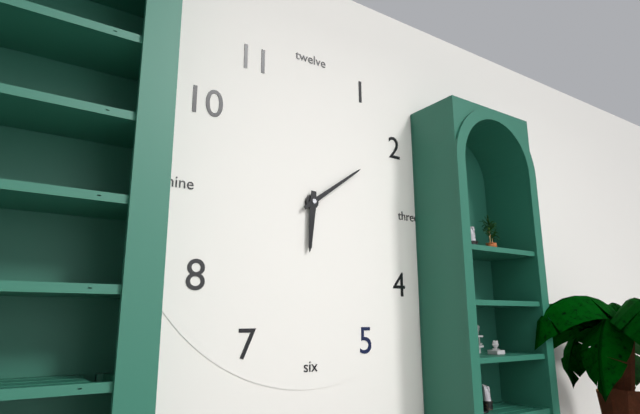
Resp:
**6:09**
